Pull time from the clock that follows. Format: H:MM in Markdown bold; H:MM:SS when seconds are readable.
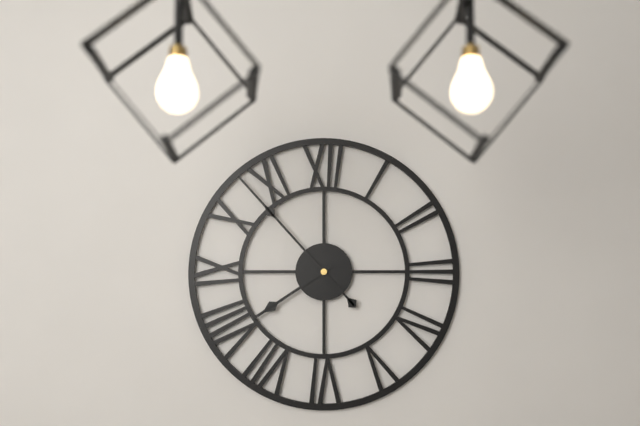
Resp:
**7:53**
